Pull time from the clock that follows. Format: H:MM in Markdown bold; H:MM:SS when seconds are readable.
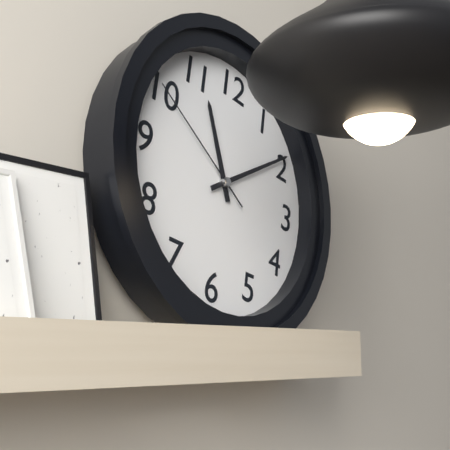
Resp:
**11:09:50**
